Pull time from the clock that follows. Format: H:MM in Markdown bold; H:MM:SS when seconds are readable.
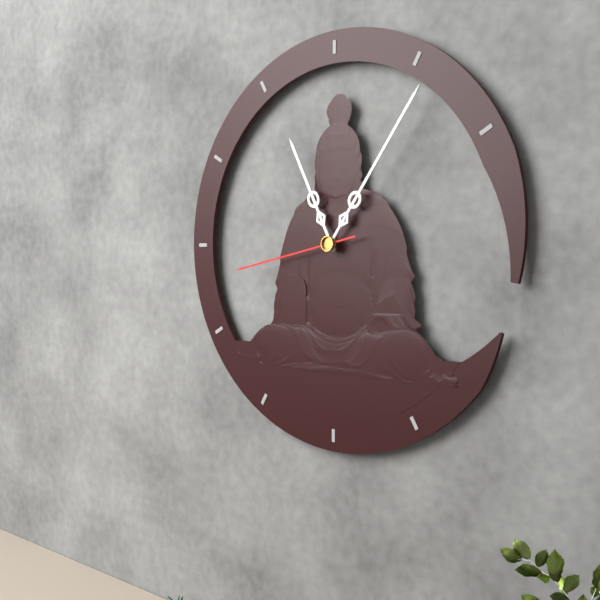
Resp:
**11:06:43**
